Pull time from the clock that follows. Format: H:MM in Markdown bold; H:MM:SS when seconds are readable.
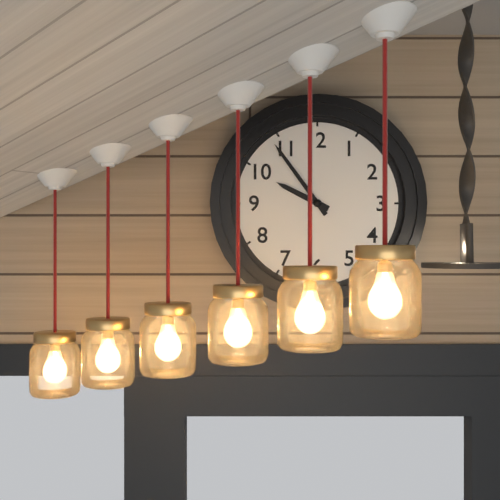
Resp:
**9:54**
